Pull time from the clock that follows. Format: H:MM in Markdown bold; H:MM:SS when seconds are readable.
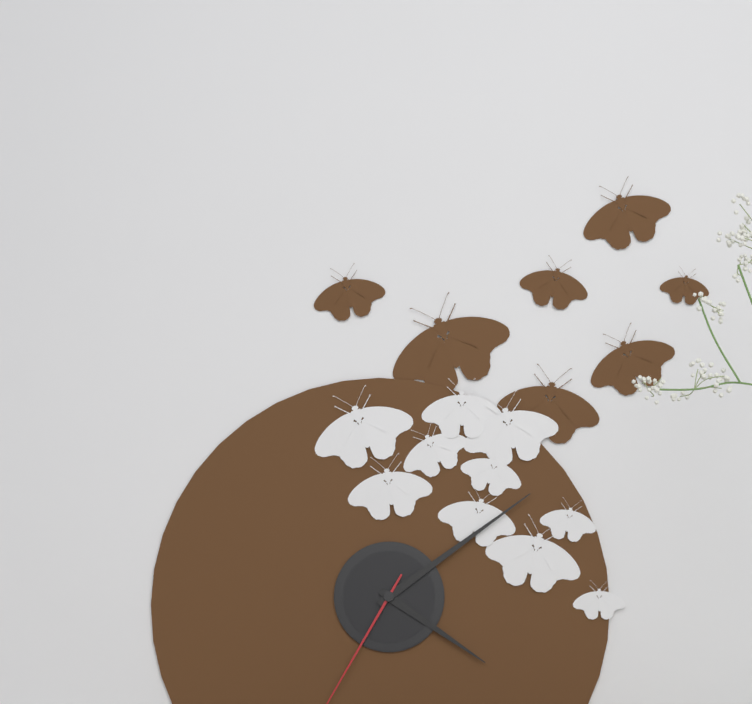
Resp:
**4:09**
